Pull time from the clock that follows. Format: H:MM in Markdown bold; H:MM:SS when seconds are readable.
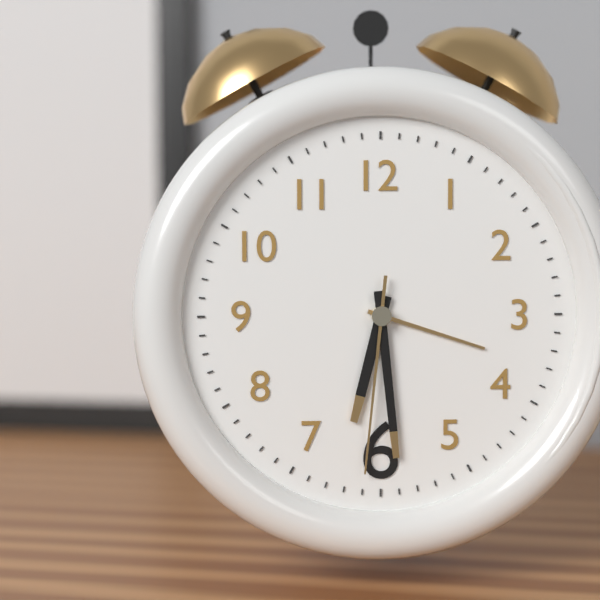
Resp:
**6:29:31**
